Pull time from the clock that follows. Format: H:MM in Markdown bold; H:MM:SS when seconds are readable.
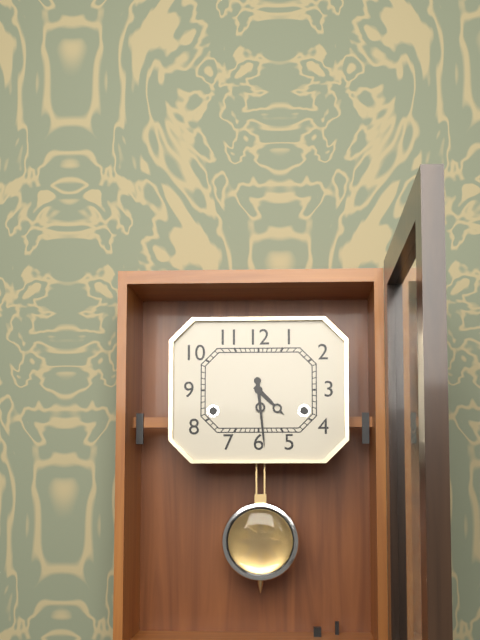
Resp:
**4:29**
